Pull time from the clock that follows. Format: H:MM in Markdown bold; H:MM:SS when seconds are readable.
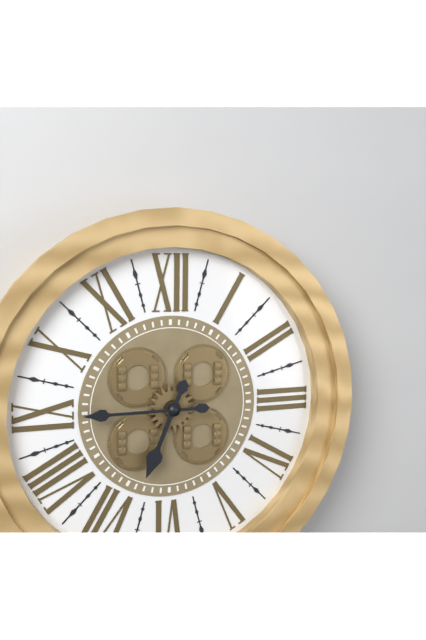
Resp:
**6:45**
